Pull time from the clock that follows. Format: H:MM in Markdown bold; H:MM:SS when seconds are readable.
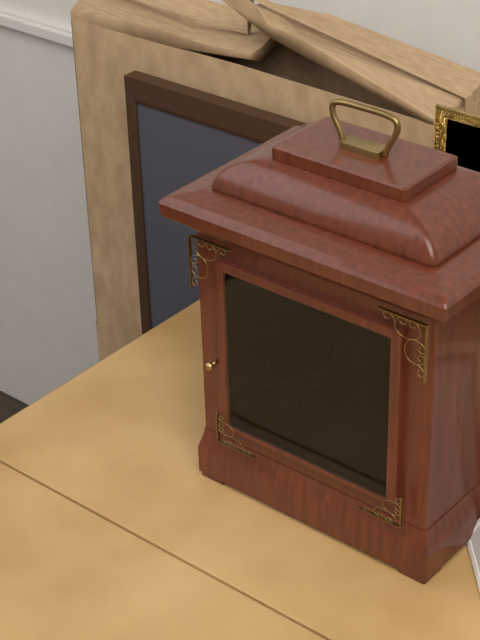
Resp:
**9:53**
